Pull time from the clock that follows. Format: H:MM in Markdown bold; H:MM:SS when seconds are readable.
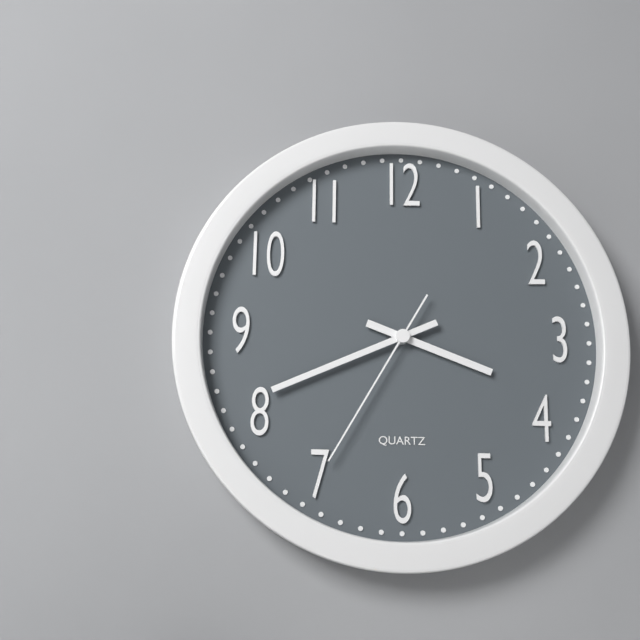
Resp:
**3:41:35**
